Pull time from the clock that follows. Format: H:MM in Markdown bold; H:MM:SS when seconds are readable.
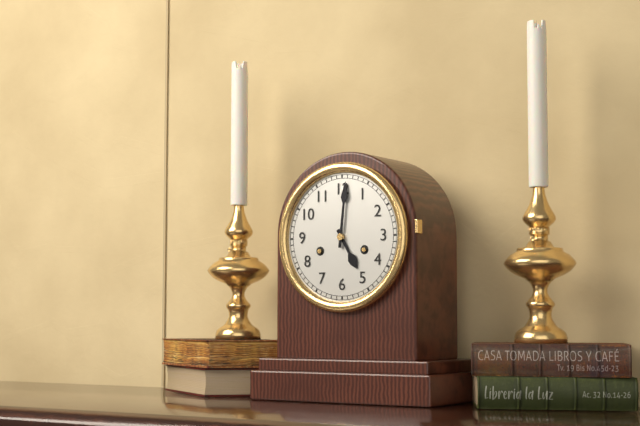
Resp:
**5:01**
